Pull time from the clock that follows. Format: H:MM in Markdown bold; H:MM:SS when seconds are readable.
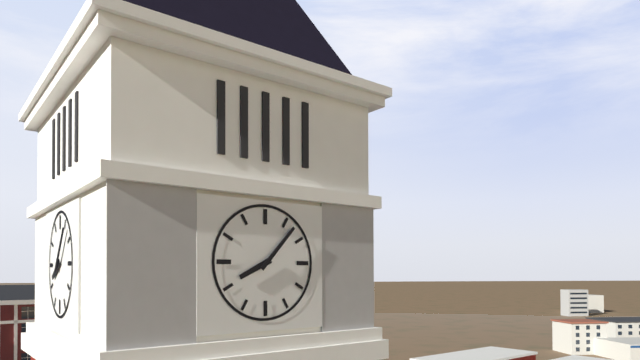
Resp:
**8:07**
